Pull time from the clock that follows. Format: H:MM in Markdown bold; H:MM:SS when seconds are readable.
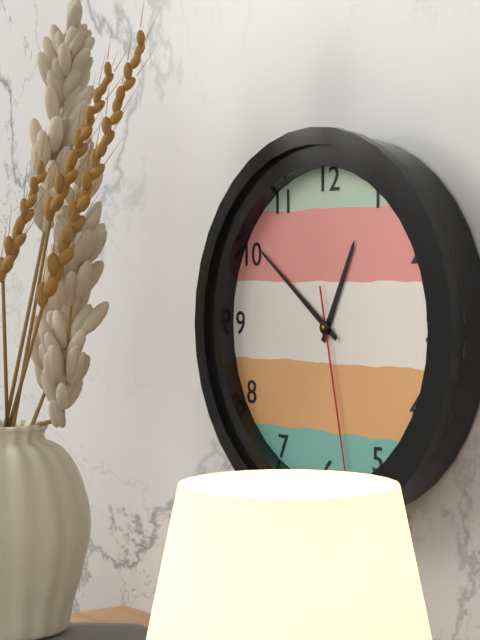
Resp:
**12:51:28**
